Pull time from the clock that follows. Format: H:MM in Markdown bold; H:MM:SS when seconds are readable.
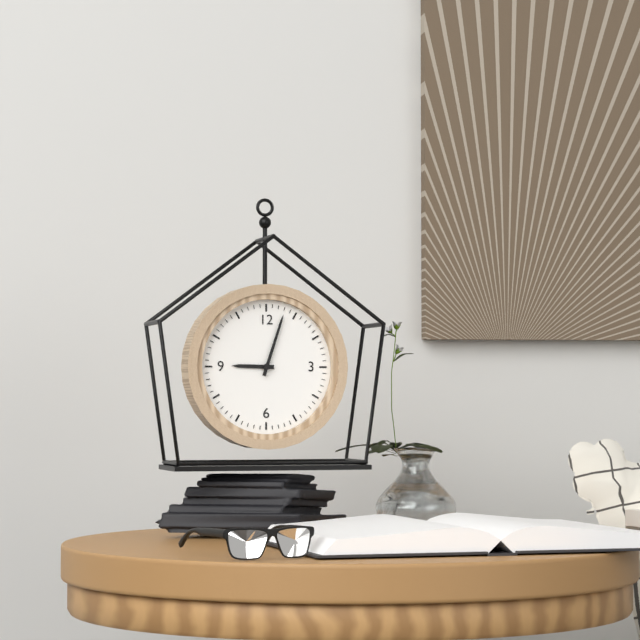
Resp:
**9:03**
